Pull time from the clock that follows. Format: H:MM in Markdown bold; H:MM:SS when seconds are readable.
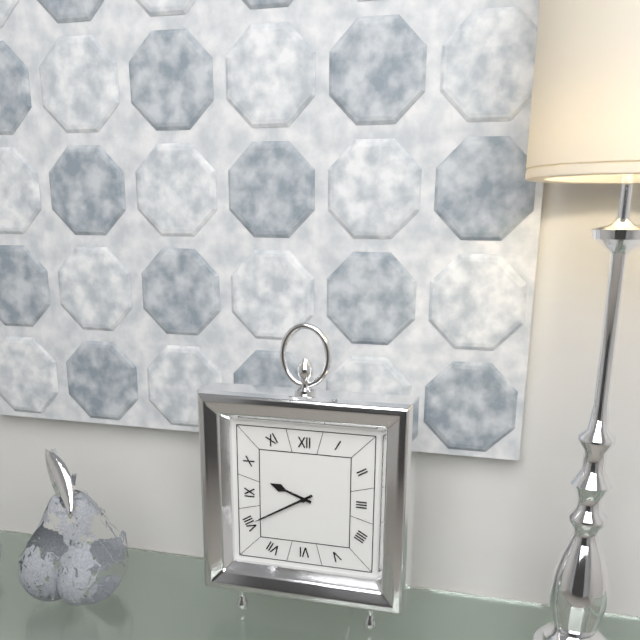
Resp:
**9:40**
